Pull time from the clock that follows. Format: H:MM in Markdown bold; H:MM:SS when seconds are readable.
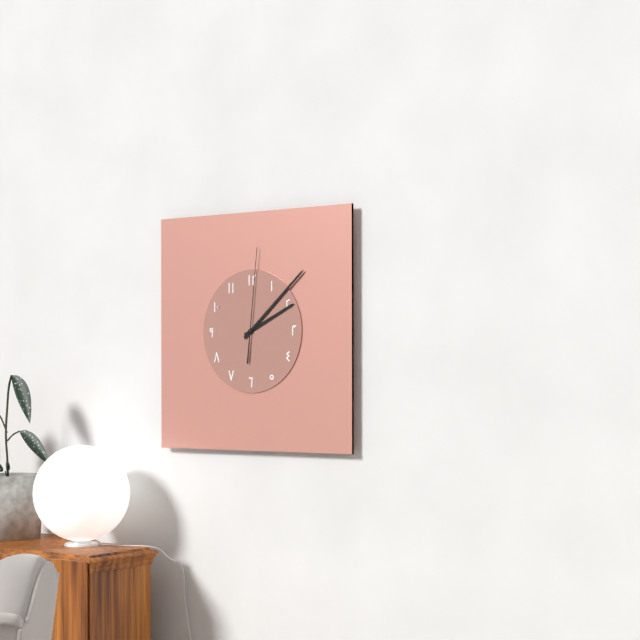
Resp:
**2:08:01**
